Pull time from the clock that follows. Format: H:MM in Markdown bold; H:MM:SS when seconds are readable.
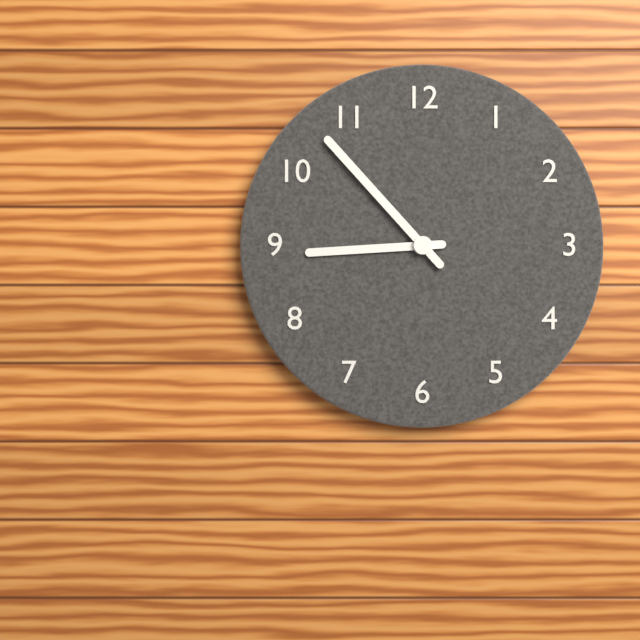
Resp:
**8:53**
